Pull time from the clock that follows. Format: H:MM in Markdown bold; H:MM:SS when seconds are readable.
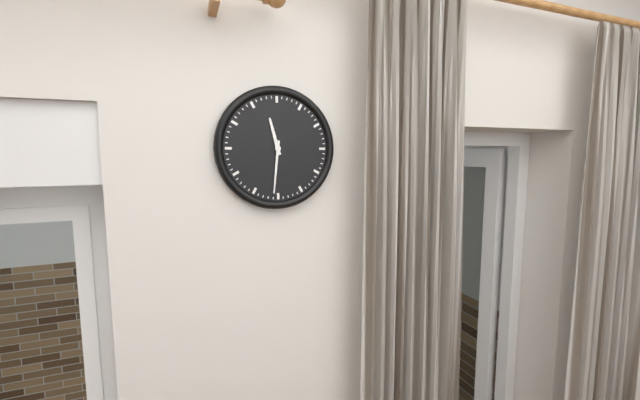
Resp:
**11:31**
